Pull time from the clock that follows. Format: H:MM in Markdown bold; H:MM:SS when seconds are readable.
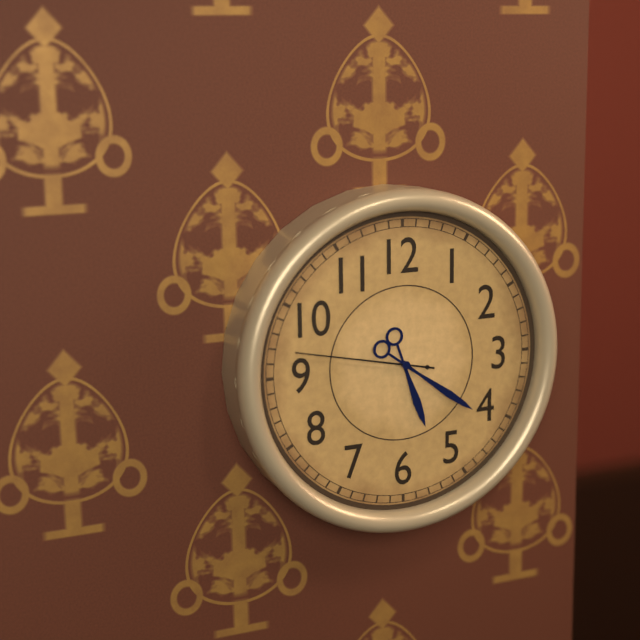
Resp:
**5:21:47**
